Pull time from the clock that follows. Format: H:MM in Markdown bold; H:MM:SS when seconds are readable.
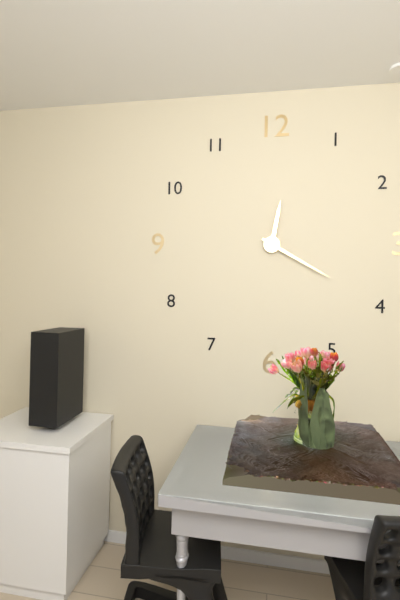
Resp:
**12:20**
